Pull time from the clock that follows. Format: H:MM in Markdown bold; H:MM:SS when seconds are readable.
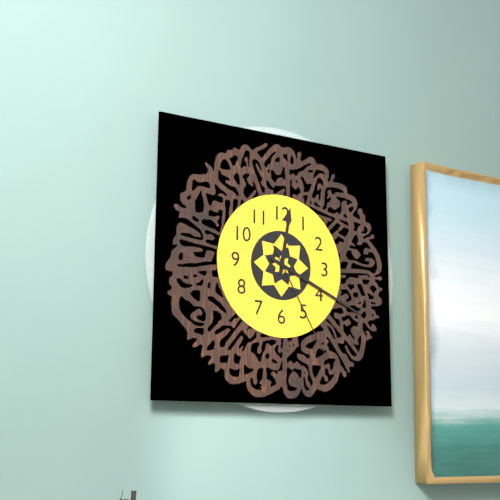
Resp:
**12:19:25**
